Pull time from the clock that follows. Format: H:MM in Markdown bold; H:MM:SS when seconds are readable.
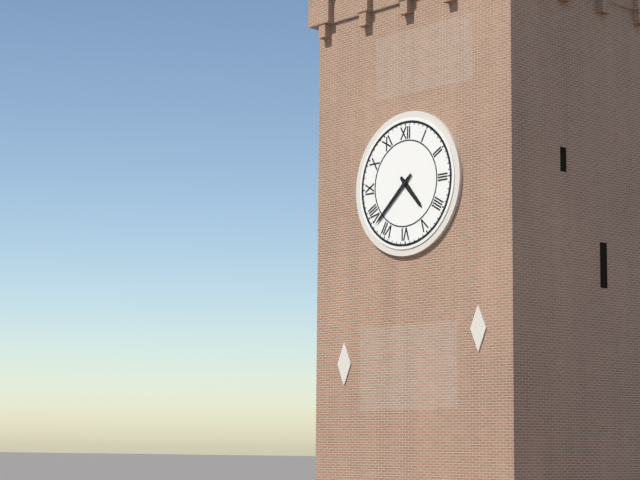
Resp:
**4:38**
